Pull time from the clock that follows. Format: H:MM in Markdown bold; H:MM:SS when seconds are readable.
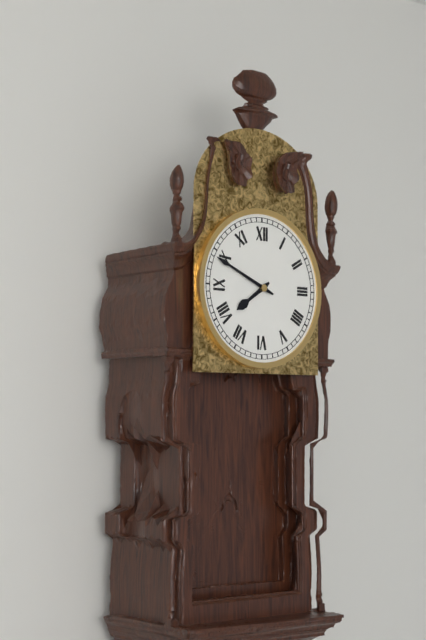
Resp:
**7:49**
